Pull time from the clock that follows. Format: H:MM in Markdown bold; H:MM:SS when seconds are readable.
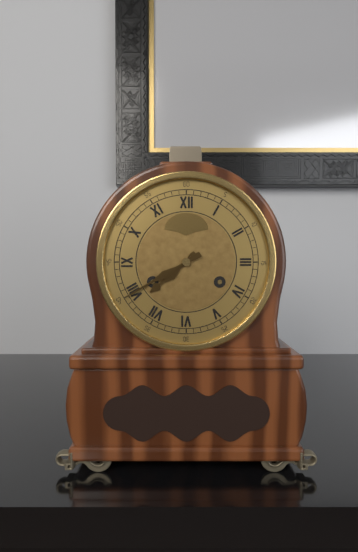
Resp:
**7:40**
